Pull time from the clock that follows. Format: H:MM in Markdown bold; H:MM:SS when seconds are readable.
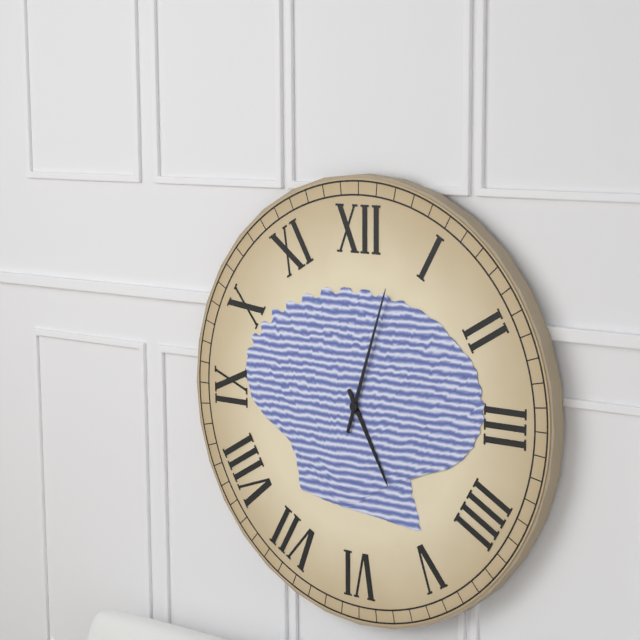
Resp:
**5:03**
